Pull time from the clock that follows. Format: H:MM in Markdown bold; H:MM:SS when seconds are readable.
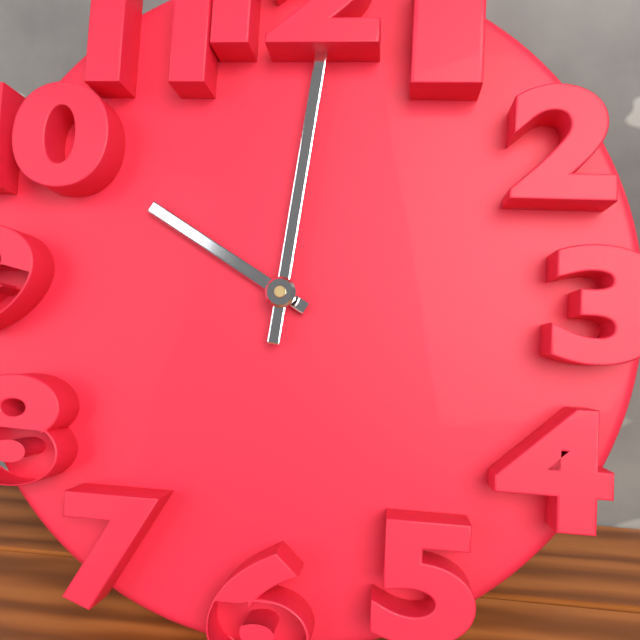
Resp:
**10:01**
